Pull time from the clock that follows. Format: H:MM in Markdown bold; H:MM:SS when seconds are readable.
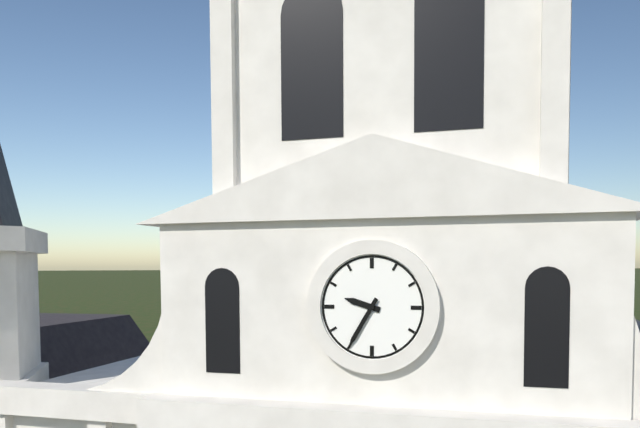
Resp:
**9:35**
